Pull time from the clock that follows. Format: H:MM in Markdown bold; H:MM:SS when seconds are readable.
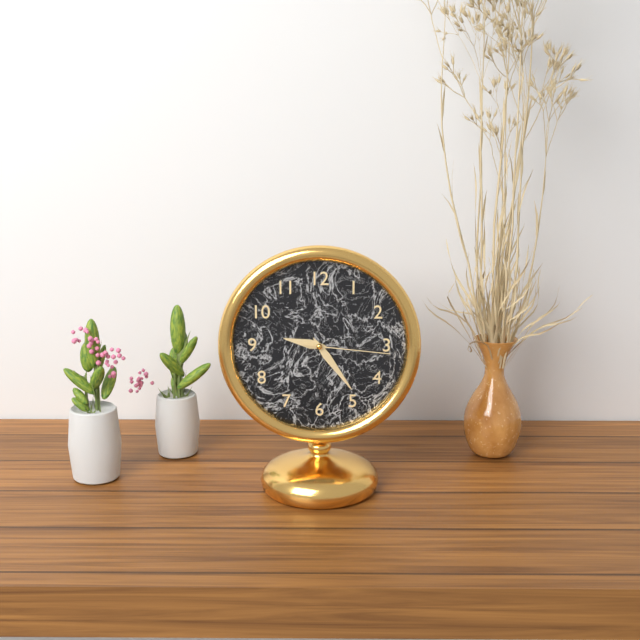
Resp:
**9:24:16**
